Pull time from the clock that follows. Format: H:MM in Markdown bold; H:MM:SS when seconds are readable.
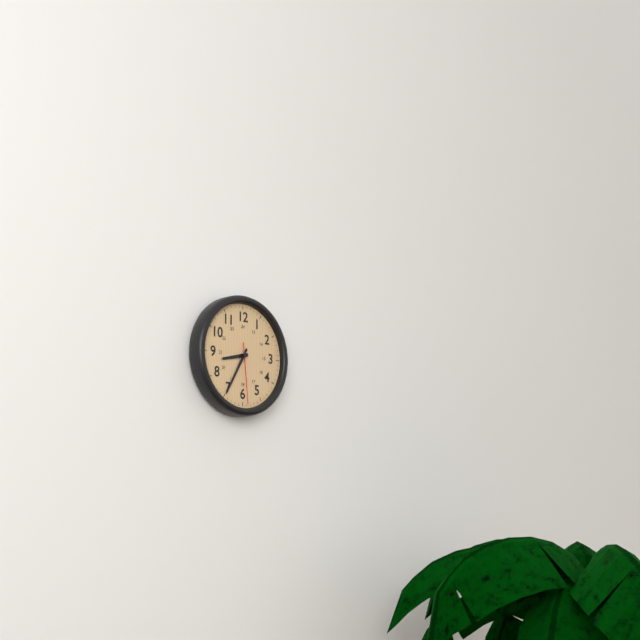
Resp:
**8:35:29**
